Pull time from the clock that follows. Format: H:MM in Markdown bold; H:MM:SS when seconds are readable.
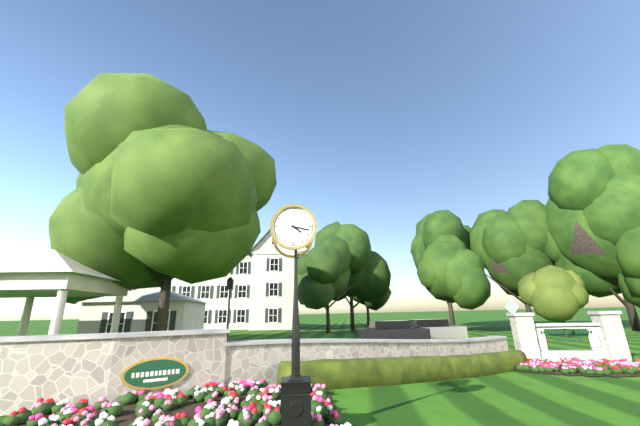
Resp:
**4:17**
